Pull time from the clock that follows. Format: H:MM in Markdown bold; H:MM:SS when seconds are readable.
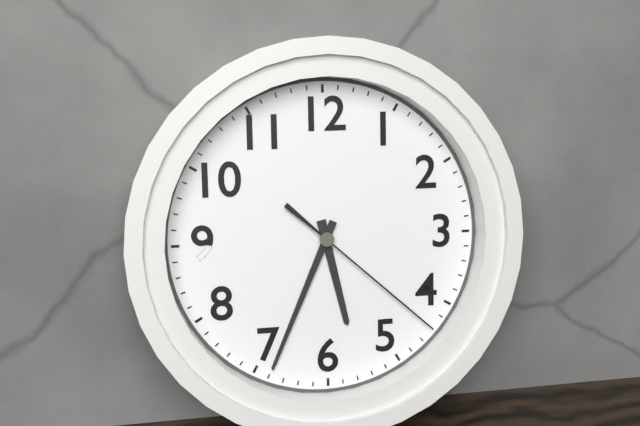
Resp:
**5:34:22**
